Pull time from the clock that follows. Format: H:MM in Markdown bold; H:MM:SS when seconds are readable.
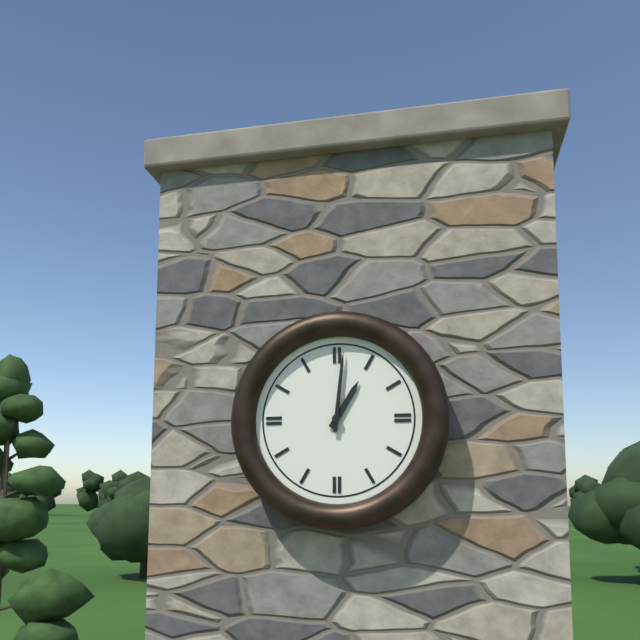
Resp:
**1:01**
